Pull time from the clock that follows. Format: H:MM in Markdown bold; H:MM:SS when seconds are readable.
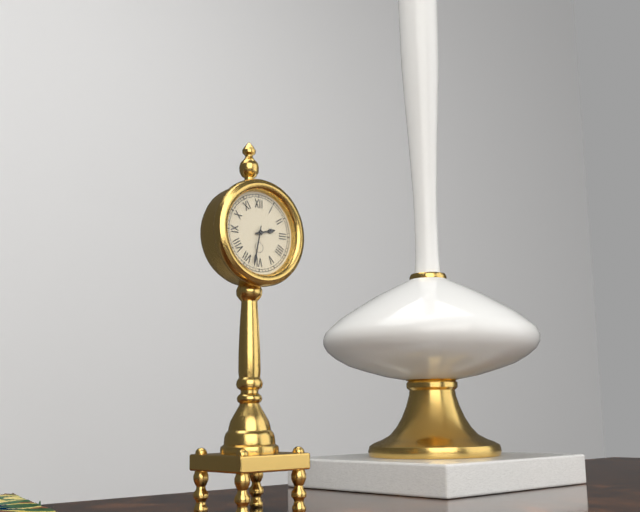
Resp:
**2:32**
